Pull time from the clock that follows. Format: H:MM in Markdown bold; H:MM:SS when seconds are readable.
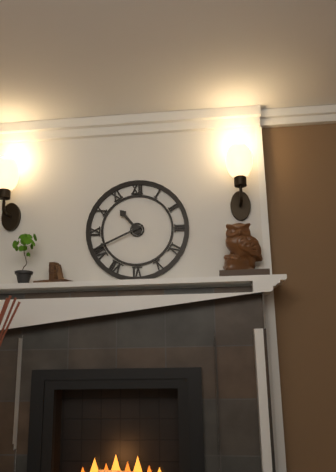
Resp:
**10:41**
